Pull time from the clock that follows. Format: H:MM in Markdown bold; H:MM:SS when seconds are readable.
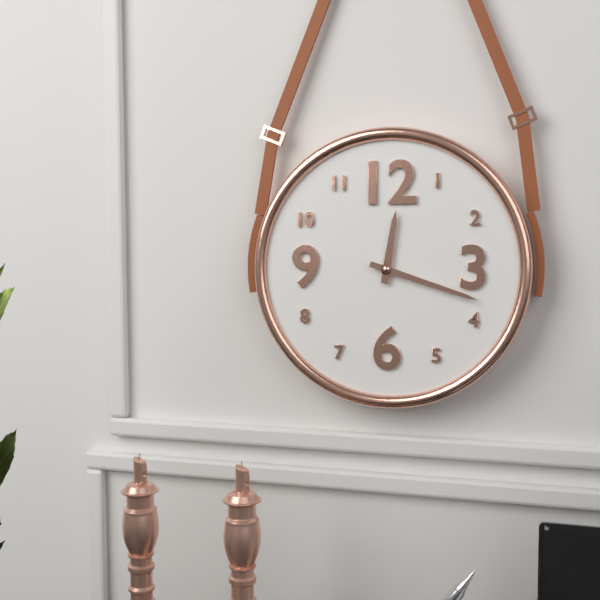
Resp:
**12:18**
